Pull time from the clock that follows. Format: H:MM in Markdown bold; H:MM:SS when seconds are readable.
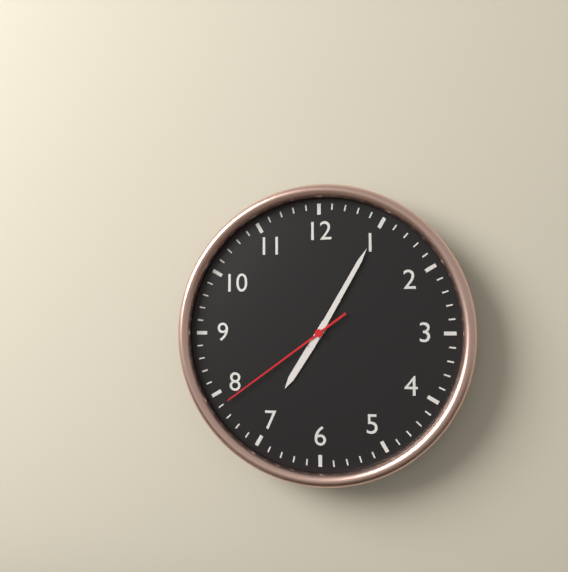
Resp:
**7:05:39**
